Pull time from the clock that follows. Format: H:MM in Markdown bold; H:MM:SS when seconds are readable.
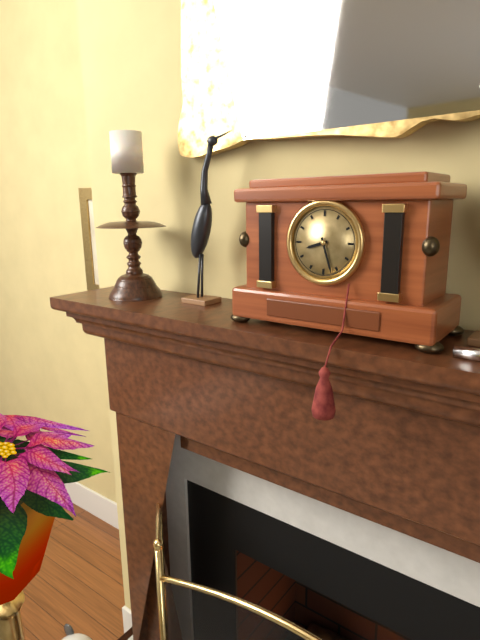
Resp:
**8:27**
